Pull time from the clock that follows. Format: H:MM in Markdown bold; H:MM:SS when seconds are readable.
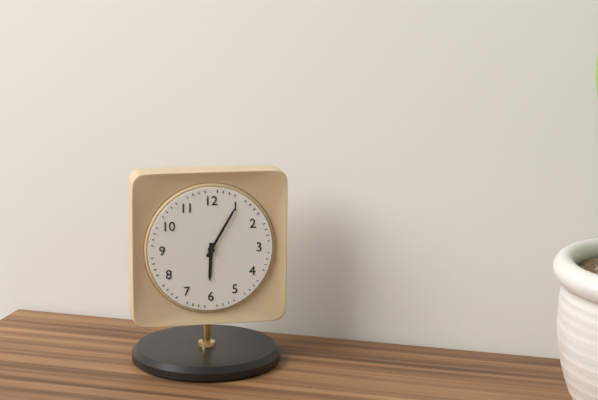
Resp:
**6:05**
